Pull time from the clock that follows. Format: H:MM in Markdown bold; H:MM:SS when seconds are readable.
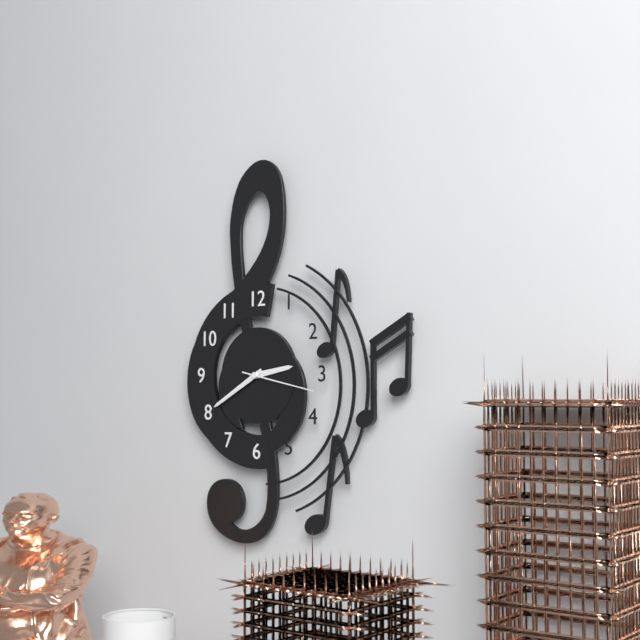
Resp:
**2:40:17**
